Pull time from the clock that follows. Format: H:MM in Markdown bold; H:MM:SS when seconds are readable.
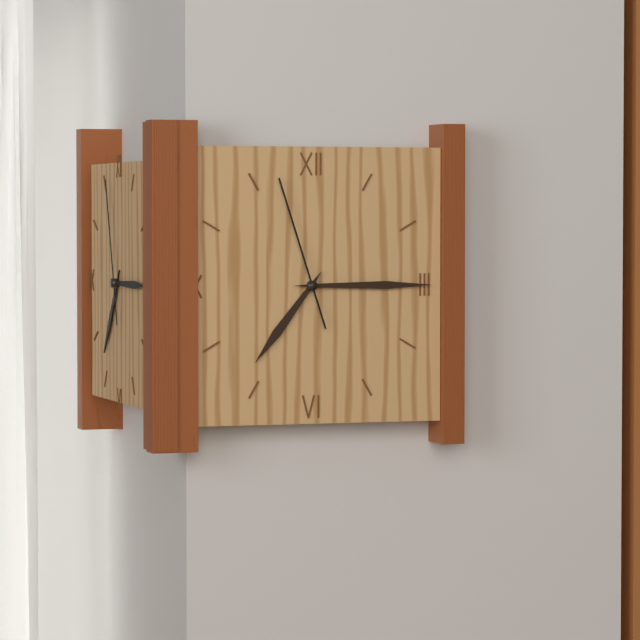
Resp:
**7:15:57**
